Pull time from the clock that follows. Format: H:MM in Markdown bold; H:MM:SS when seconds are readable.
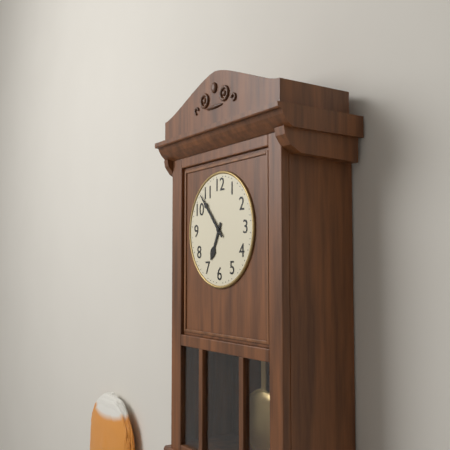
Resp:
**6:53**
